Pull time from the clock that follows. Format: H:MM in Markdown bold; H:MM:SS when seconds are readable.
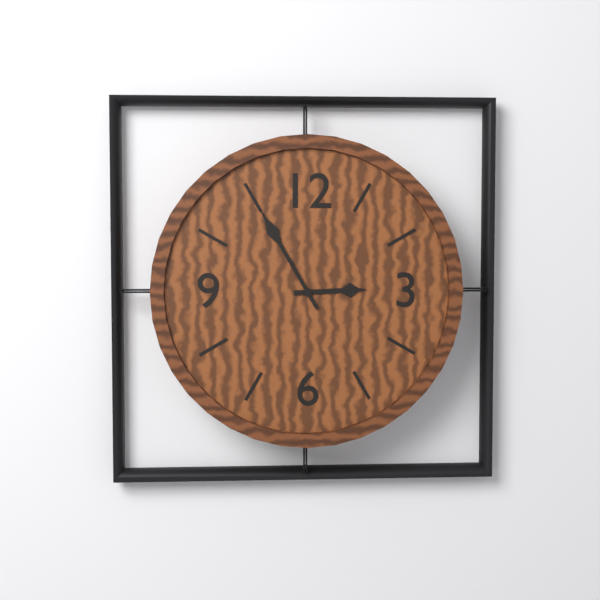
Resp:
**2:55**
